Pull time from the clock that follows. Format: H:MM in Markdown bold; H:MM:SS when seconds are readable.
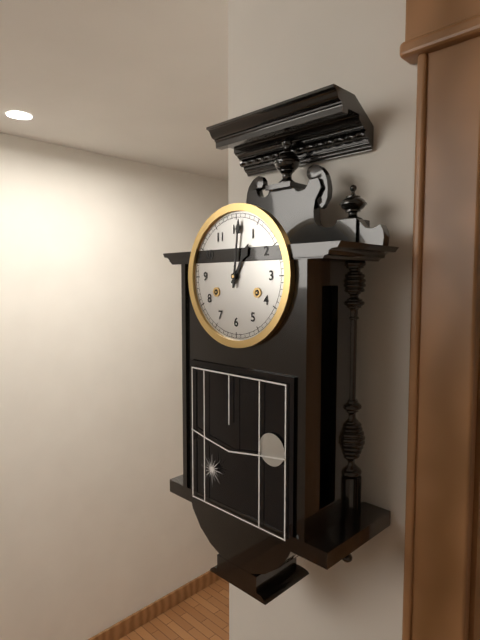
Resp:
**1:01**
